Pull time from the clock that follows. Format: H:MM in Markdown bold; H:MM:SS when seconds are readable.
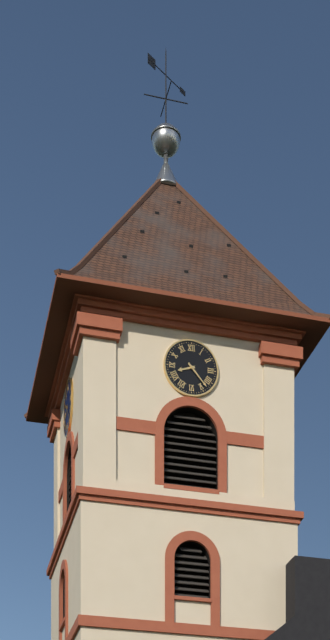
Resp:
**8:23**
